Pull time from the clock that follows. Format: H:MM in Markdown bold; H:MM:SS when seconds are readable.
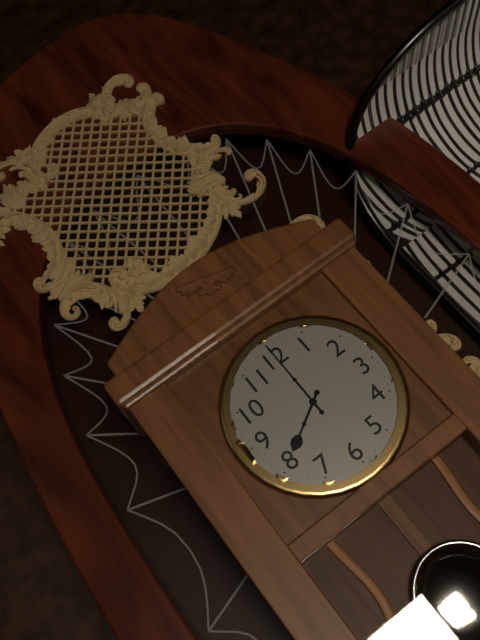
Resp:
**8:00**
